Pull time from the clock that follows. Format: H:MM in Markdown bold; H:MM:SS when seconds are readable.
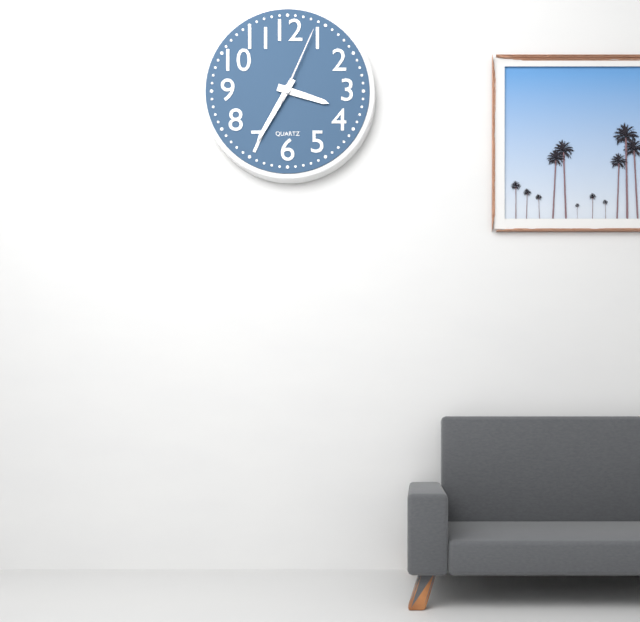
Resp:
**3:35:04**
